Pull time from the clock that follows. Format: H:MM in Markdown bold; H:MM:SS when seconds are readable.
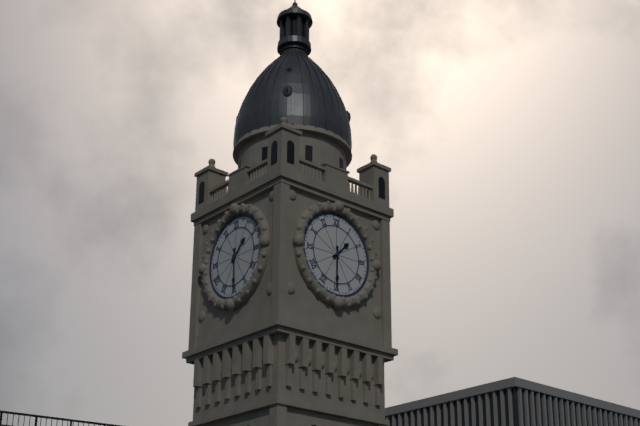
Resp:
**1:30**
